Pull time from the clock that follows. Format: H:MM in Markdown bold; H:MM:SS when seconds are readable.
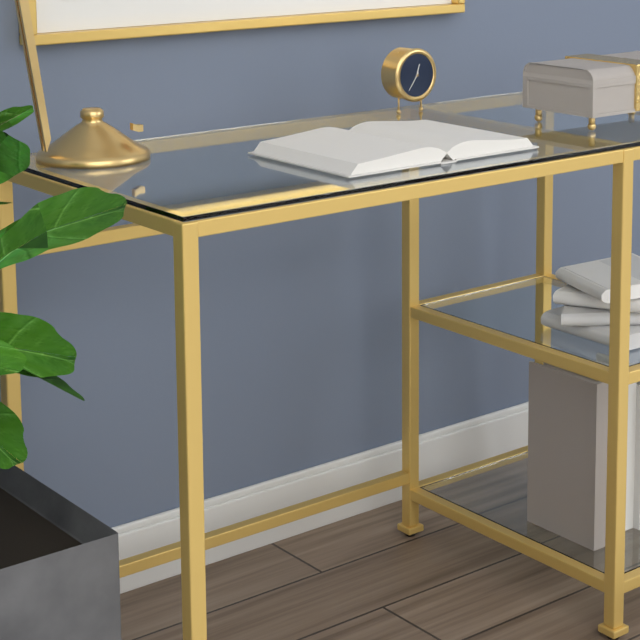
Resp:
**12:36**
